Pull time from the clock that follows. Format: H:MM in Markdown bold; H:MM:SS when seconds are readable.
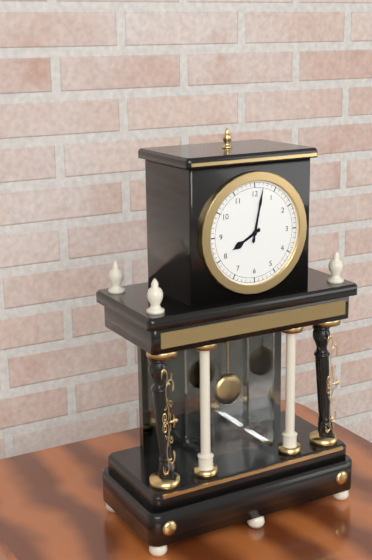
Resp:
**8:02**
